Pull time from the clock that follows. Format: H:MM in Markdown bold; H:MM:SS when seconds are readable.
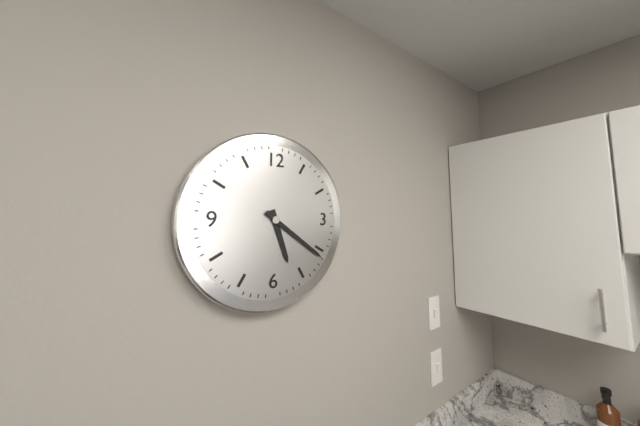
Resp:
**5:21**
